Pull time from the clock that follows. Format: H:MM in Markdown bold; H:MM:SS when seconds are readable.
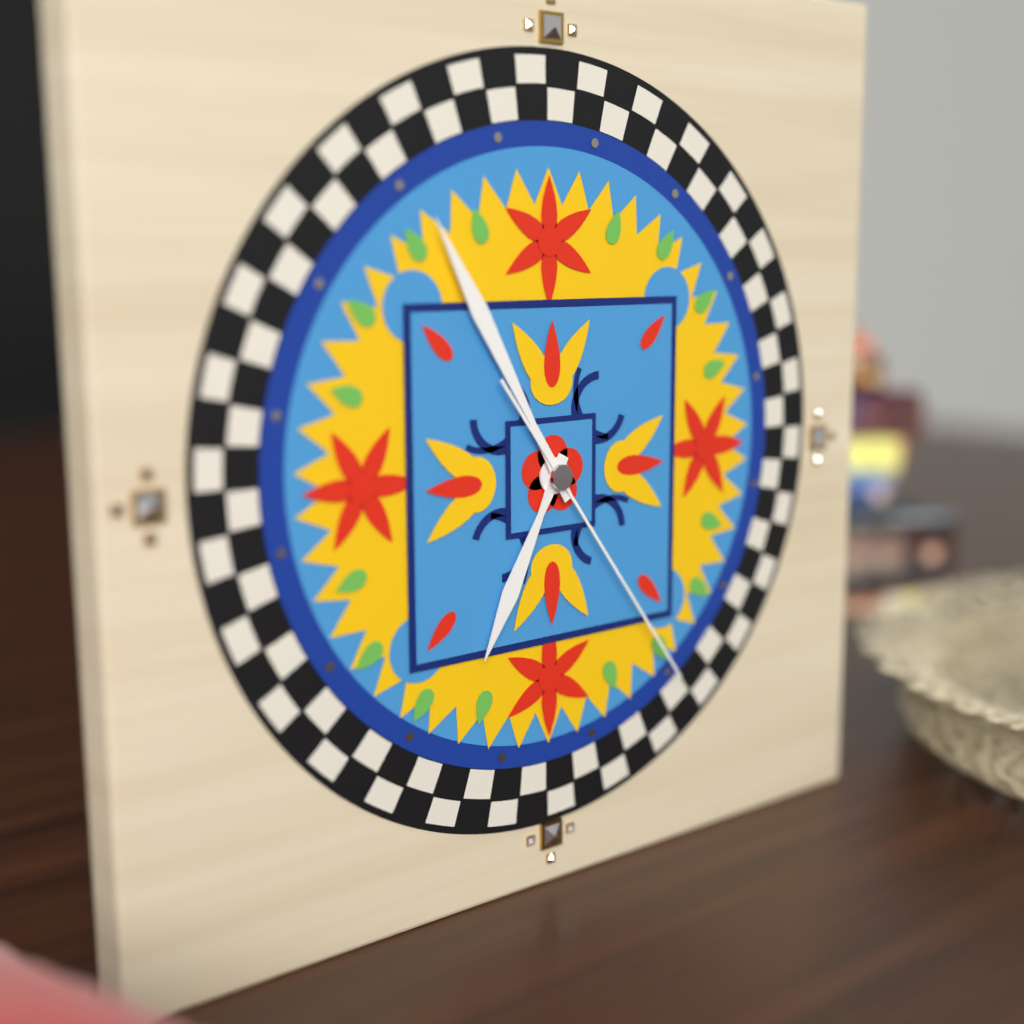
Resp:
**6:55:24**
